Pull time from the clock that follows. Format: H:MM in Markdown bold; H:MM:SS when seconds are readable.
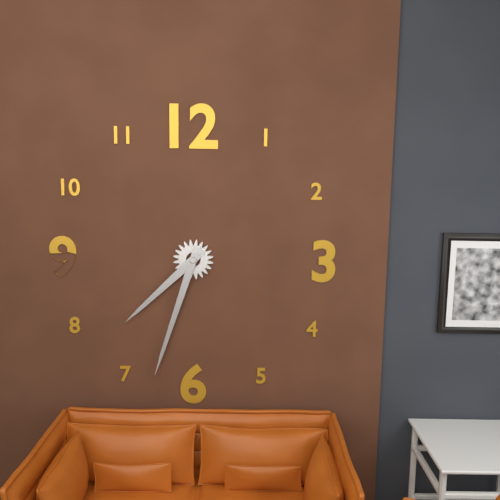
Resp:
**7:33**
